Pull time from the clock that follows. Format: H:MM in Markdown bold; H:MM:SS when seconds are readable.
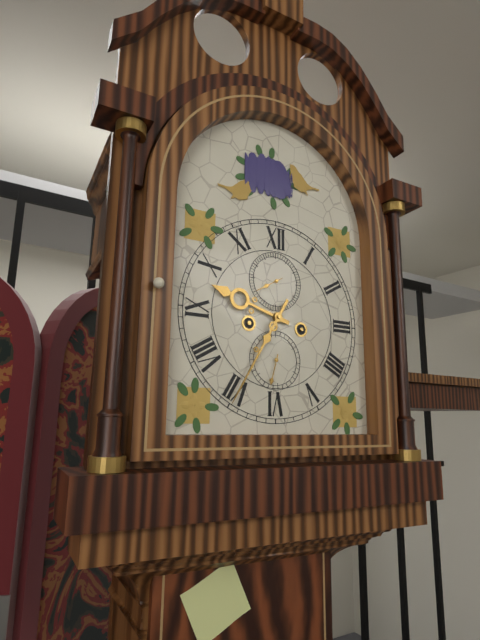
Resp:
**9:35**
